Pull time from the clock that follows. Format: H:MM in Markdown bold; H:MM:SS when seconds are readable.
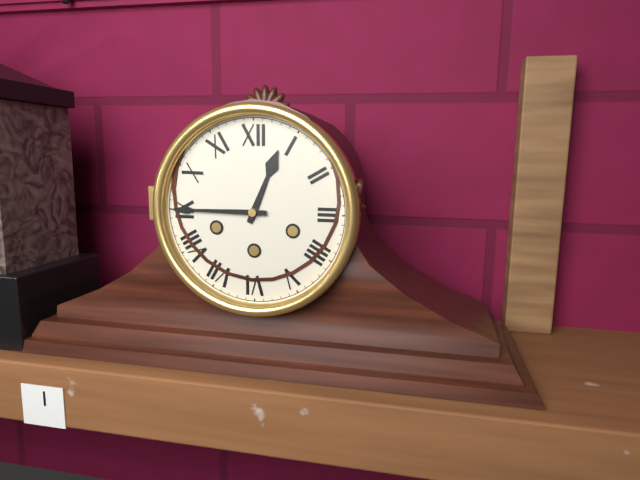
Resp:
**12:45**
